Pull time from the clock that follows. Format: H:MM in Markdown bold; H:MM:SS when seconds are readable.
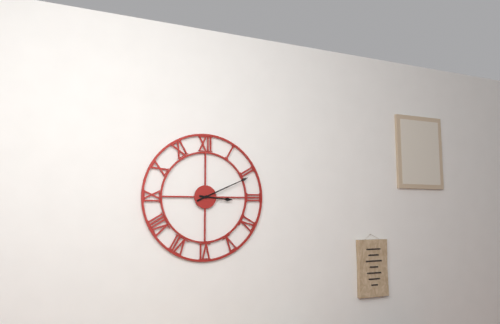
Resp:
**3:11**
